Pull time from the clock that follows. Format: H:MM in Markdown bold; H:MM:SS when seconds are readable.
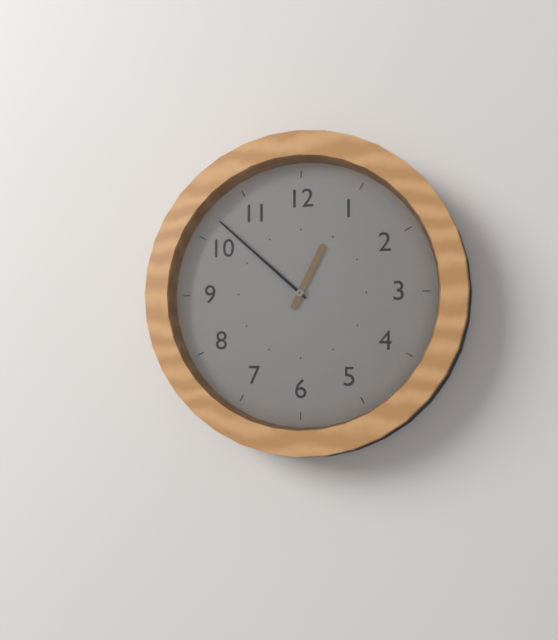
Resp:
**12:52**
